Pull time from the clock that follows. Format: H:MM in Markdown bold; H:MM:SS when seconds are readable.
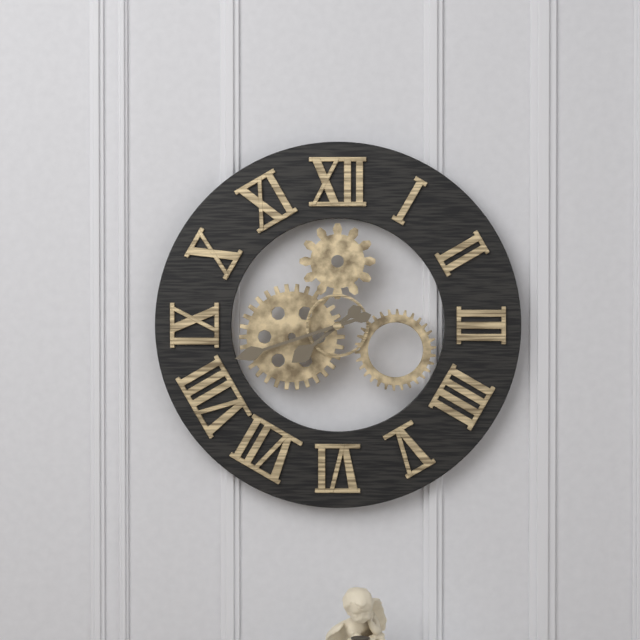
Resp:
**7:42**
